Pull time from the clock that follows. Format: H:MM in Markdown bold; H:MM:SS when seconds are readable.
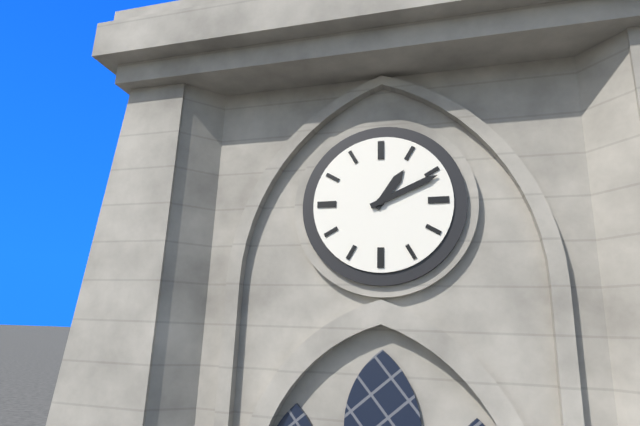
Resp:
**1:11**
